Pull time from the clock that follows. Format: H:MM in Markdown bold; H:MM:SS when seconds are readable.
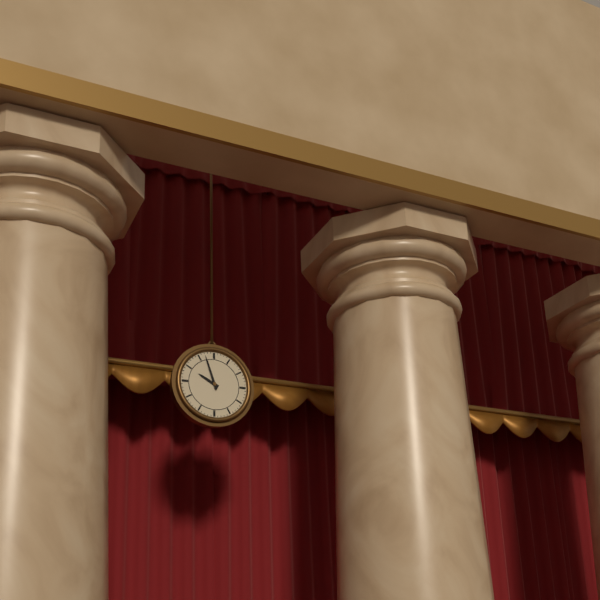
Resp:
**9:57**
